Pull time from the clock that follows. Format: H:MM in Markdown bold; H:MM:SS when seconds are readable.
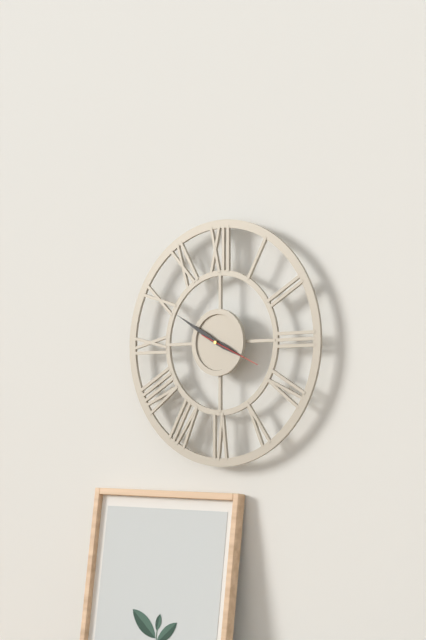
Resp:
**3:50:19**
